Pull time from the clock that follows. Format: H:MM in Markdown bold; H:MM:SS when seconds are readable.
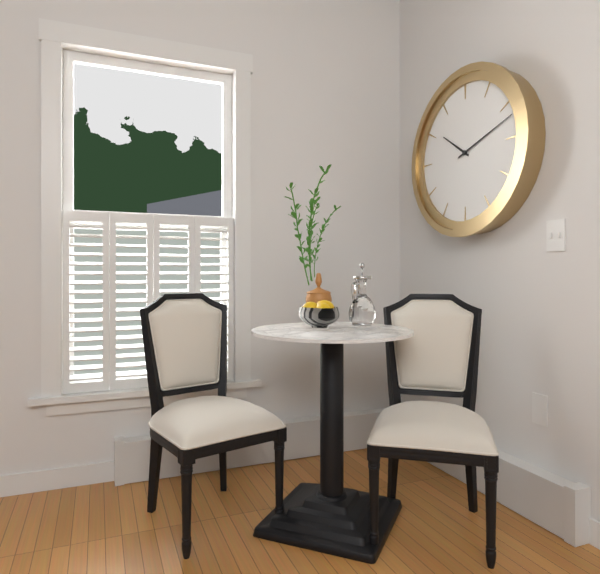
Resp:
**10:12**
